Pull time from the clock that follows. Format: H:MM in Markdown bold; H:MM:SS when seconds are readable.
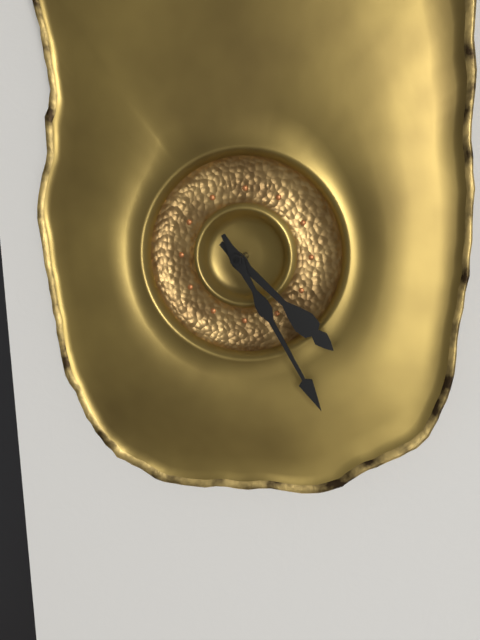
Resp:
**4:25**
